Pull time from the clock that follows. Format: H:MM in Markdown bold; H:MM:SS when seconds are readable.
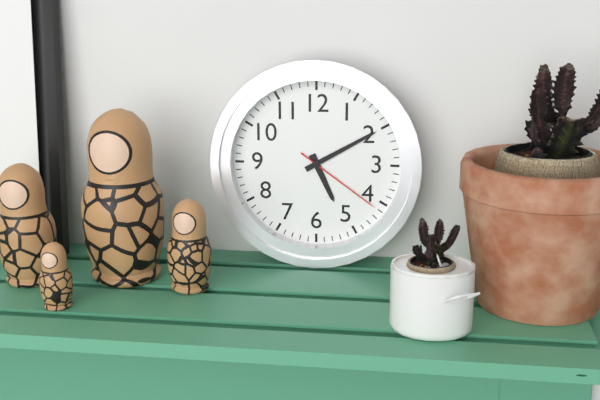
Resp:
**5:10:21**
